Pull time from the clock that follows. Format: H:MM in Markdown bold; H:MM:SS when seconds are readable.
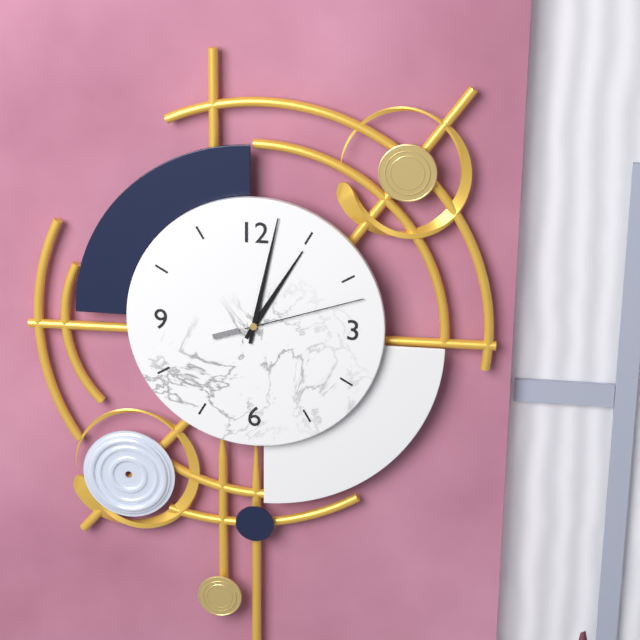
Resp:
**1:02:12**
